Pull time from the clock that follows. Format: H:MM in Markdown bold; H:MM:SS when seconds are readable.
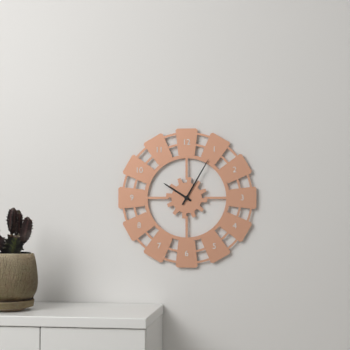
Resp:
**10:05**
